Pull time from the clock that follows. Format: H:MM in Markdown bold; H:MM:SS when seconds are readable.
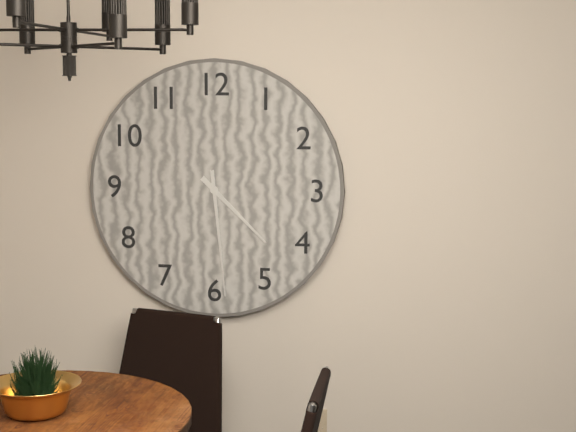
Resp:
**4:29**
